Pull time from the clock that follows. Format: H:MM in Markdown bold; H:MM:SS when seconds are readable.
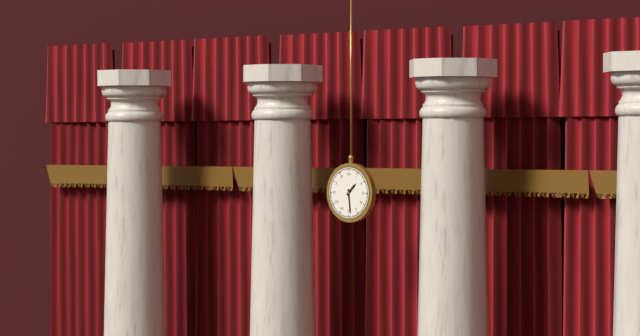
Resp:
**1:29**
